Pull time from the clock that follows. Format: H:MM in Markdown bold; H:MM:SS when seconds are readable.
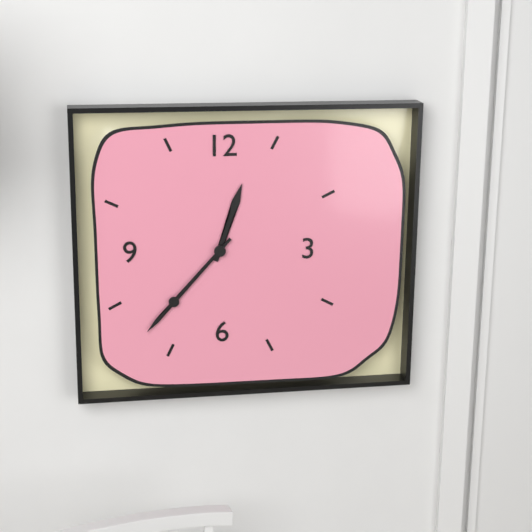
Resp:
**12:37**
